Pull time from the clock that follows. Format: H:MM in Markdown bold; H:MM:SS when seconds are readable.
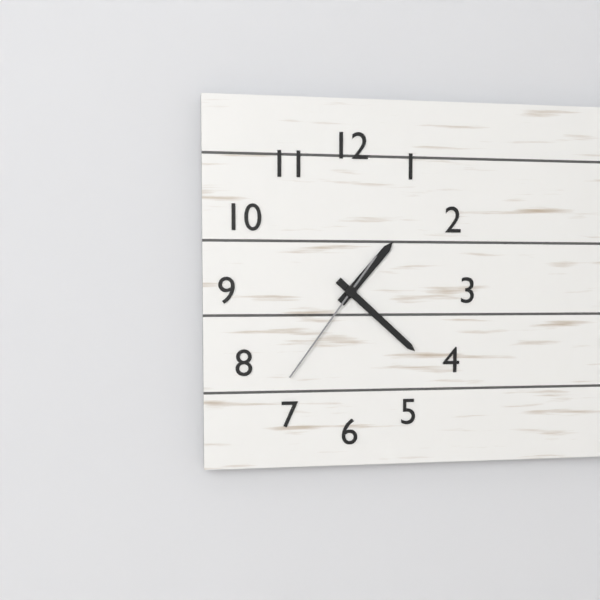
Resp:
**1:22:36**
